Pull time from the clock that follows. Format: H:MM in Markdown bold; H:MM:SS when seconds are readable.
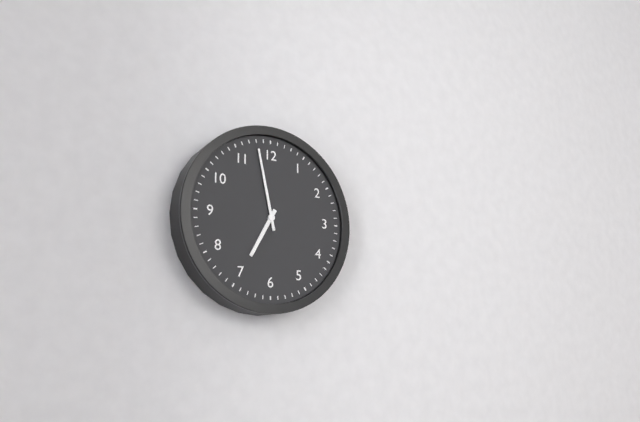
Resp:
**6:58**
